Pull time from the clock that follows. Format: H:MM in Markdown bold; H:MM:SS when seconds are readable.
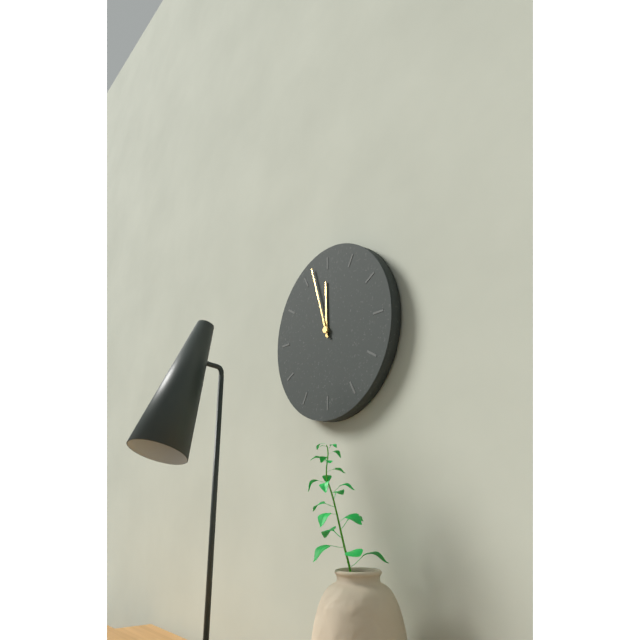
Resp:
**11:57**
